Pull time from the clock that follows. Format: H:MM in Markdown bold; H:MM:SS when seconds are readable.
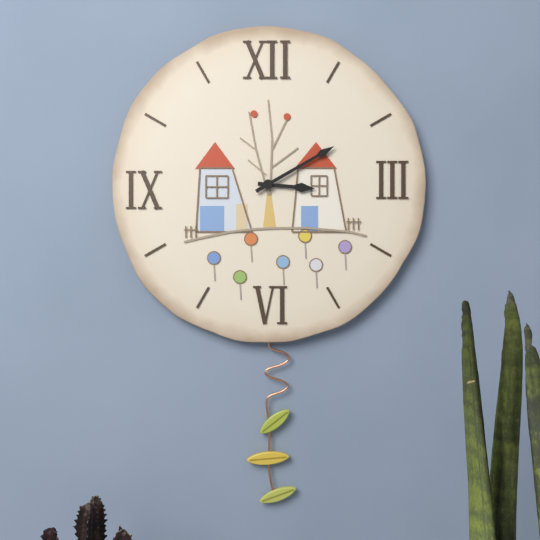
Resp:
**3:10**
